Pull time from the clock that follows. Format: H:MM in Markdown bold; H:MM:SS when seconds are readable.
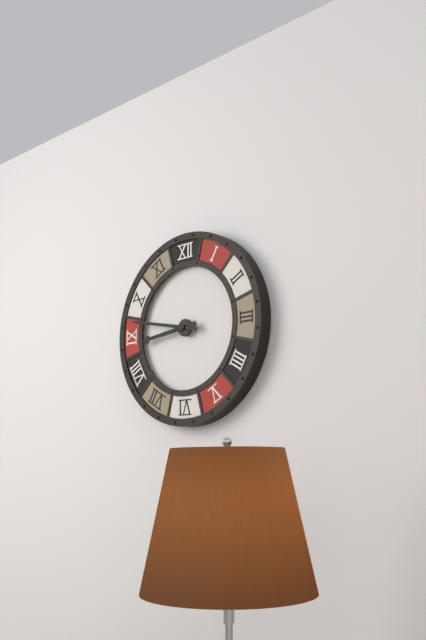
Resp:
**8:47**
